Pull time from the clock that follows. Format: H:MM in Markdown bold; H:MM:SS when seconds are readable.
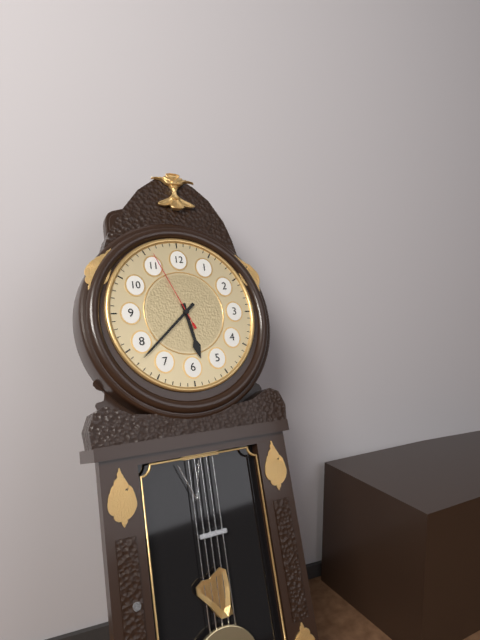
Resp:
**5:38:56**
